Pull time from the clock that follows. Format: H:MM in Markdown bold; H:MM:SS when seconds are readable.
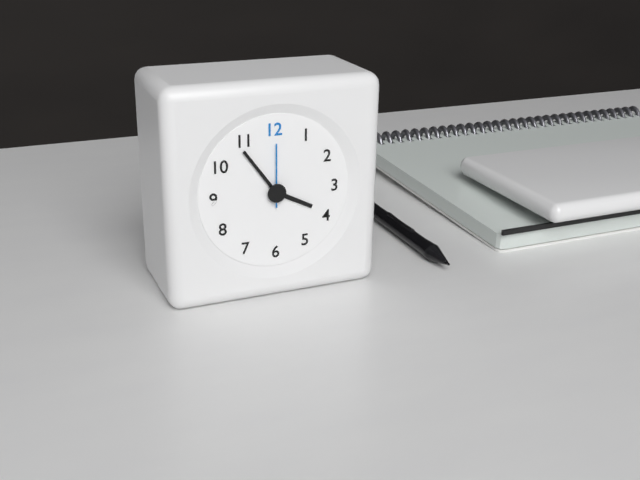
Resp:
**3:54:00**
